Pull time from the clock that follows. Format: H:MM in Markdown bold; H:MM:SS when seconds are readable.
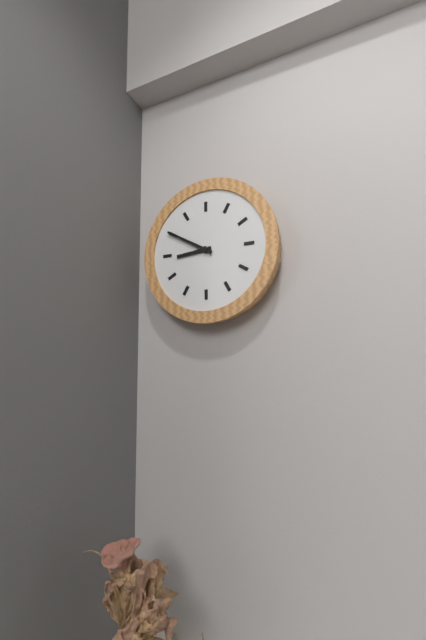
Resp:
**8:50**
